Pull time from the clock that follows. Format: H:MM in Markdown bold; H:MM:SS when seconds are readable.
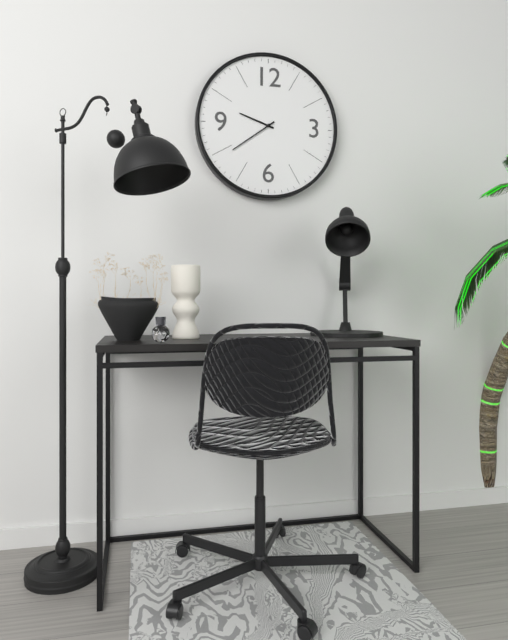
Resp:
**9:39**
